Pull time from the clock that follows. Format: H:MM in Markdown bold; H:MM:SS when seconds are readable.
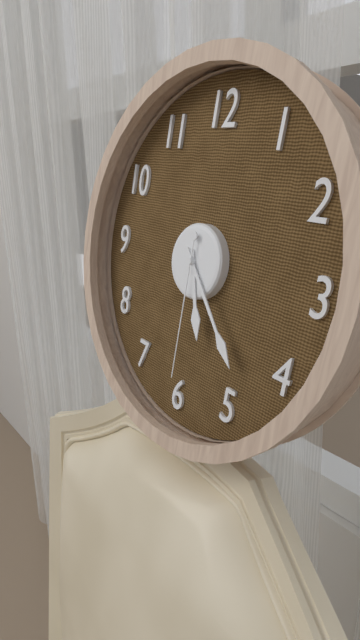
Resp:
**5:23:30**
